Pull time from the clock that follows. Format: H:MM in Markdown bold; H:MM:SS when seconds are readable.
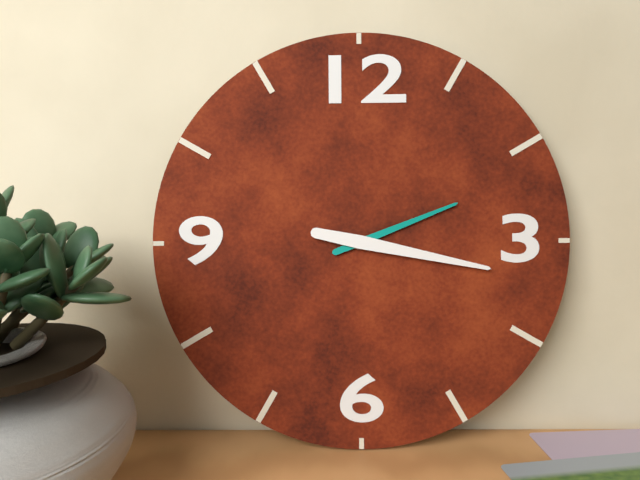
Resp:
**2:17**
